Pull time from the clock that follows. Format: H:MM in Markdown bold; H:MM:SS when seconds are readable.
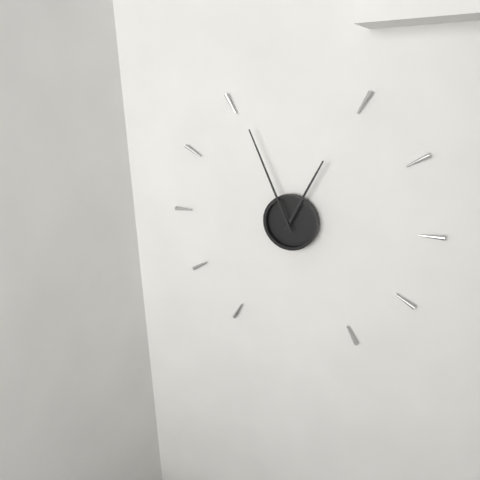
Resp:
**12:56**
